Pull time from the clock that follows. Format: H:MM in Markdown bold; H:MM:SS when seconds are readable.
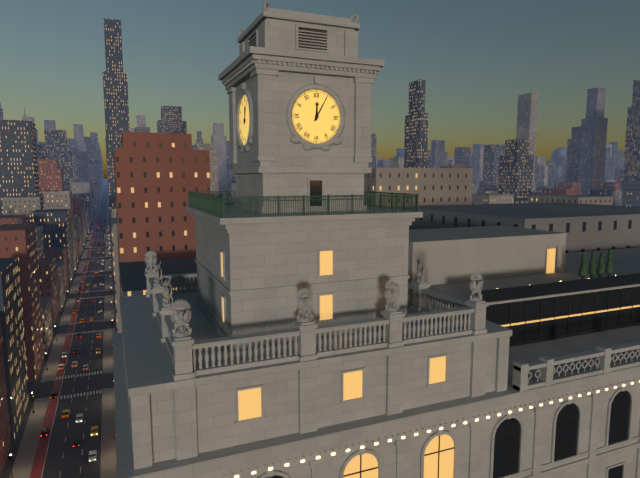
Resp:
**12:05**
